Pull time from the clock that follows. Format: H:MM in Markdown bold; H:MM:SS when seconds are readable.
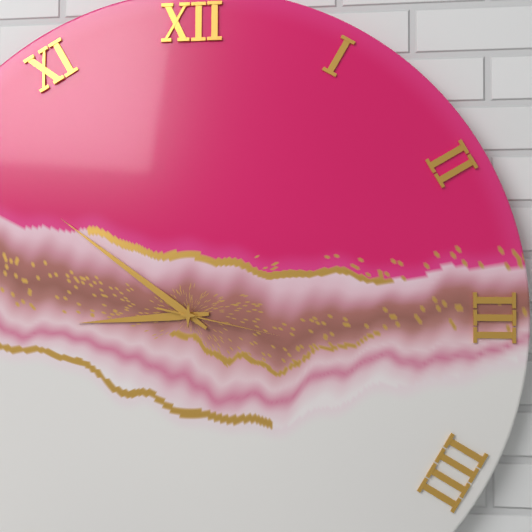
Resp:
**8:51:17**
